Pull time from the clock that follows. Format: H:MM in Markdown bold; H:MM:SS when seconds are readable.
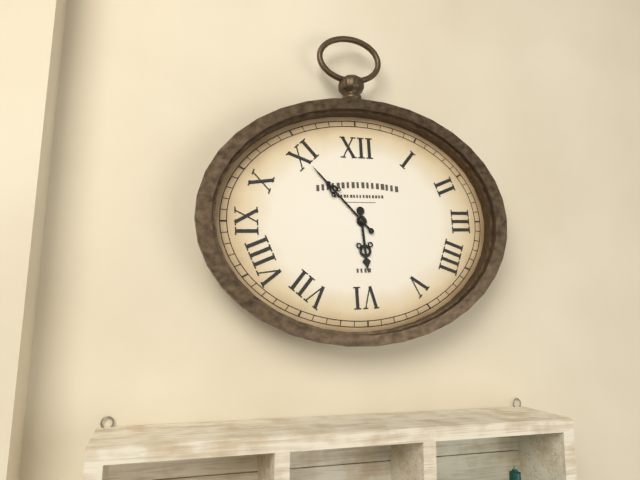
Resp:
**5:53**
